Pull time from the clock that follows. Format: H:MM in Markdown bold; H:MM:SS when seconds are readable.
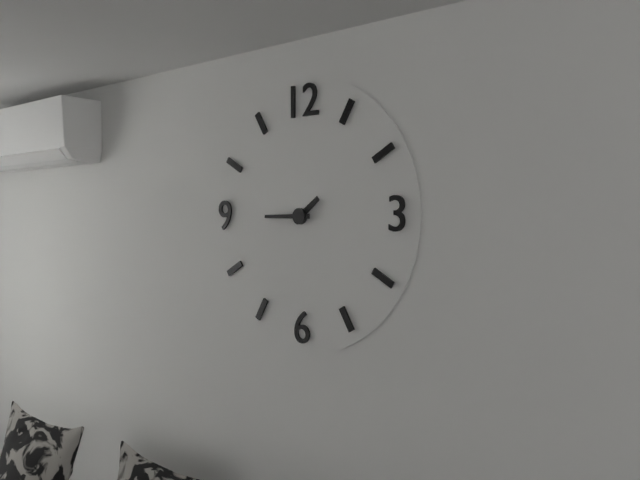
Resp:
**1:45**
